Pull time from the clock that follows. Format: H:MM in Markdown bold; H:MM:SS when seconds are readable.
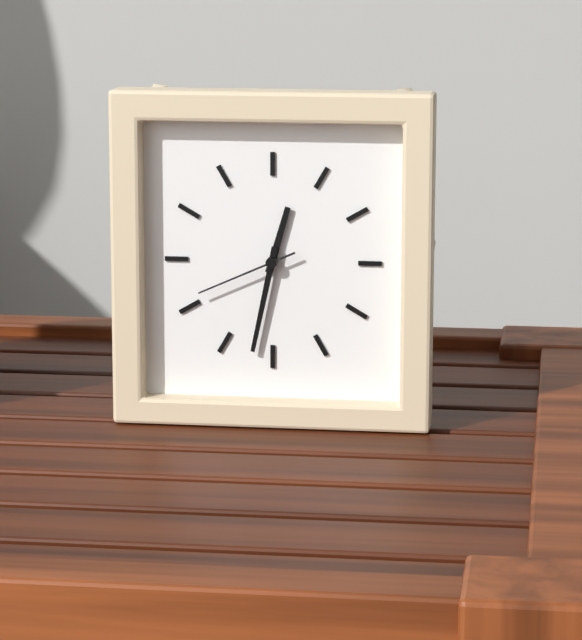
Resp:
**12:32:41**
